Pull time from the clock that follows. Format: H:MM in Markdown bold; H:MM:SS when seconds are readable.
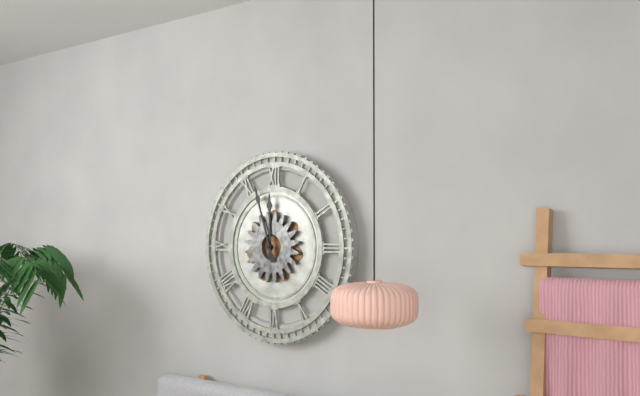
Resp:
**11:57**
